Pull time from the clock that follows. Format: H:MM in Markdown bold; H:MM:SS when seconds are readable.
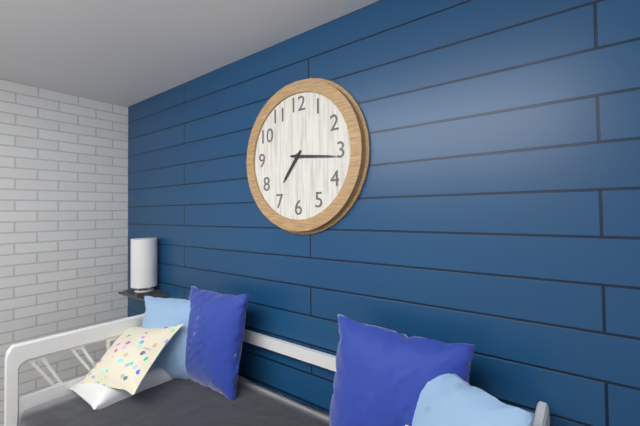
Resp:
**7:16**
